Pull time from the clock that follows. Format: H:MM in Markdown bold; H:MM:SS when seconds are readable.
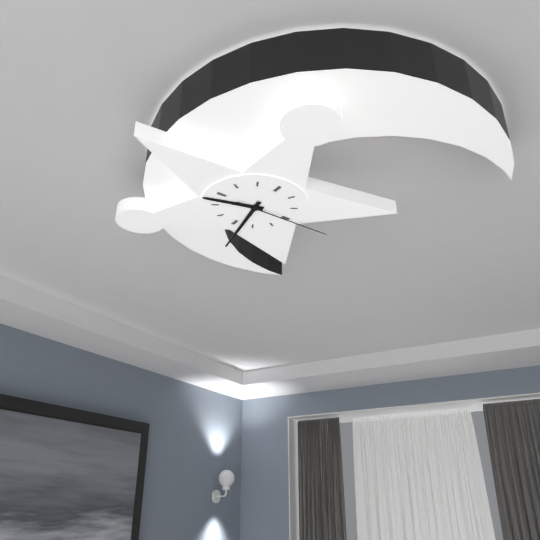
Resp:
**8:28:15**
